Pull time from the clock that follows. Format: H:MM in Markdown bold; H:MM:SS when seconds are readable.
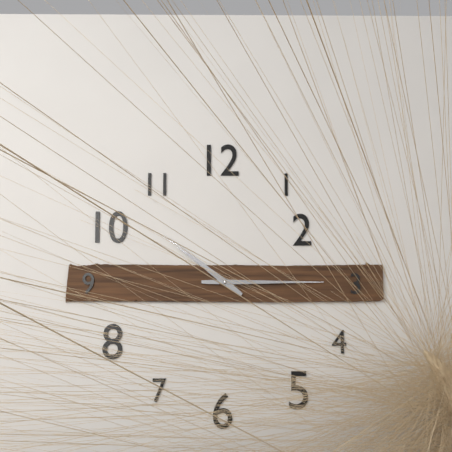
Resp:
**10:15**
